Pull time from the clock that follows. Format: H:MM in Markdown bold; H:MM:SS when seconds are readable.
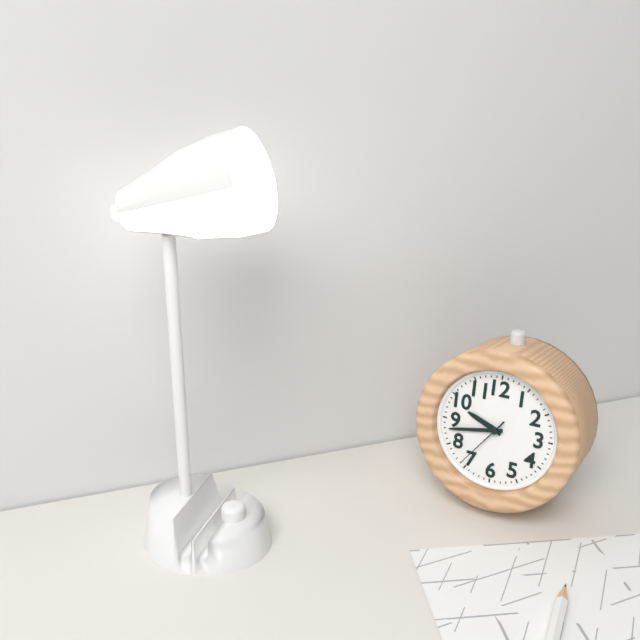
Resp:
**9:43:36**
